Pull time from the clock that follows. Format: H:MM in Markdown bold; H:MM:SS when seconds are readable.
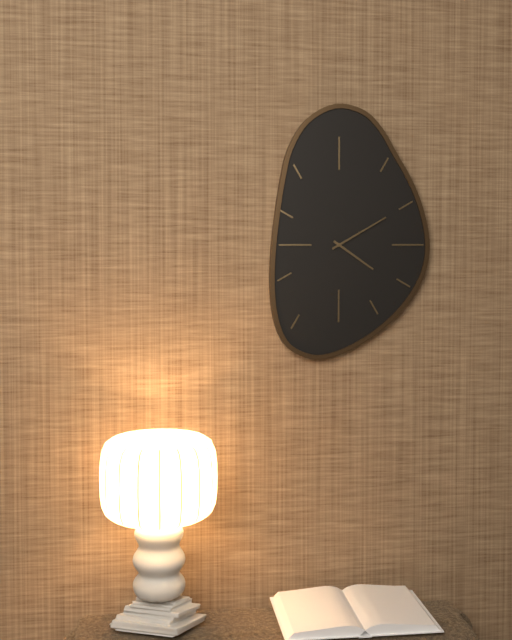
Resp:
**4:10**
